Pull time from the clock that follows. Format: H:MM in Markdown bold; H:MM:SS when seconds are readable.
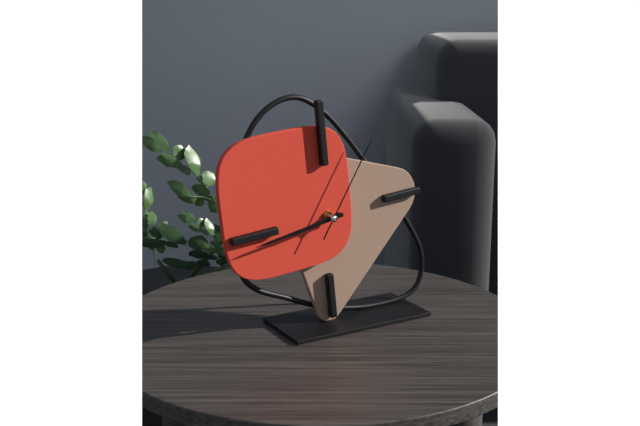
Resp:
**8:44:06**
